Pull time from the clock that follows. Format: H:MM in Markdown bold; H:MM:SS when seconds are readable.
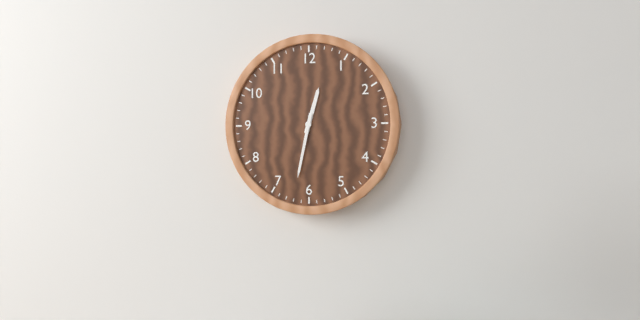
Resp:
**12:32**
